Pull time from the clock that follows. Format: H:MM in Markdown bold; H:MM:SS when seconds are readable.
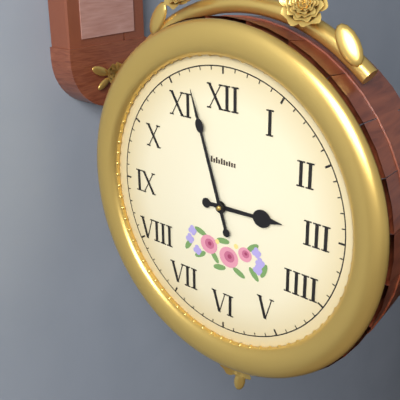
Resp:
**2:57**
